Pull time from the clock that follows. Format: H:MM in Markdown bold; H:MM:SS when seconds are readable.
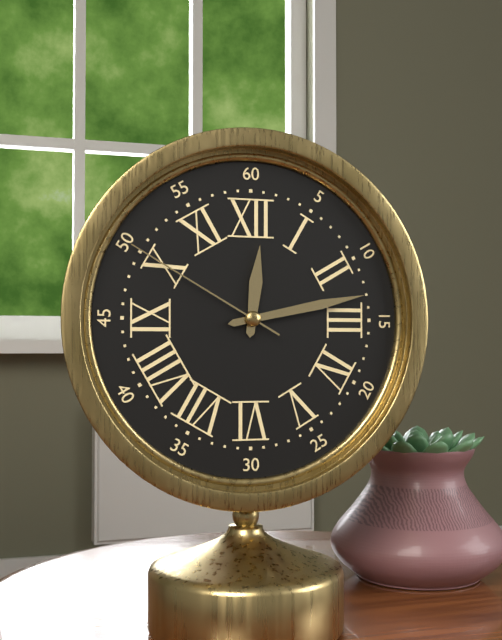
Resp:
**12:13:50**
